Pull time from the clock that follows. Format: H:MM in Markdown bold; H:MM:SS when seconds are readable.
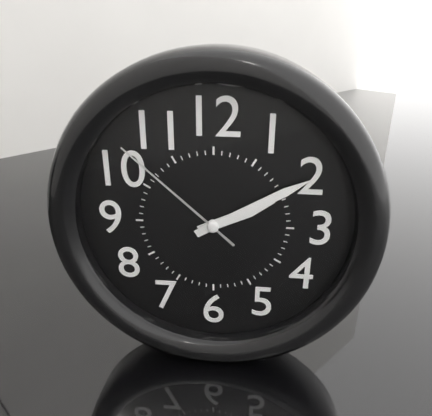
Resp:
**2:10:52**
